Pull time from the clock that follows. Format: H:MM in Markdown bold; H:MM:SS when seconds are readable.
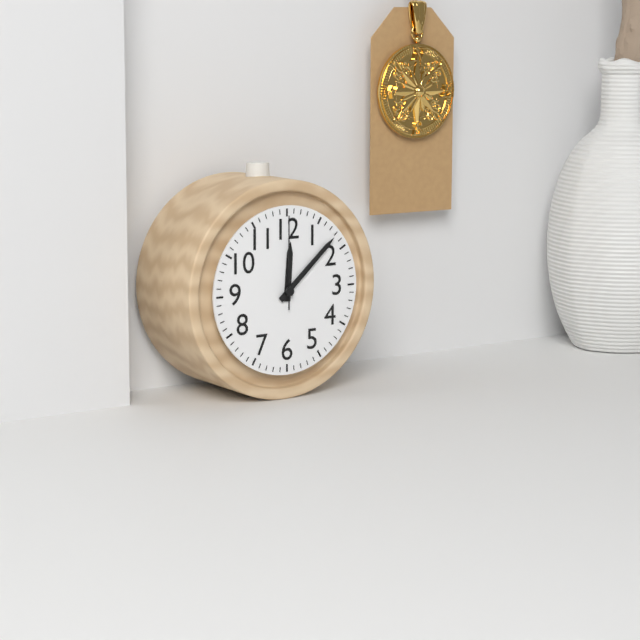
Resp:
**12:08:00**
